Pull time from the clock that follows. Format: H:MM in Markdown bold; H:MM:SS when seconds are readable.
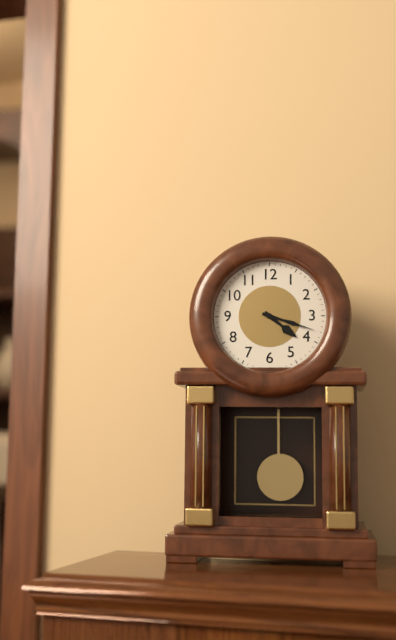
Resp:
**4:18**
